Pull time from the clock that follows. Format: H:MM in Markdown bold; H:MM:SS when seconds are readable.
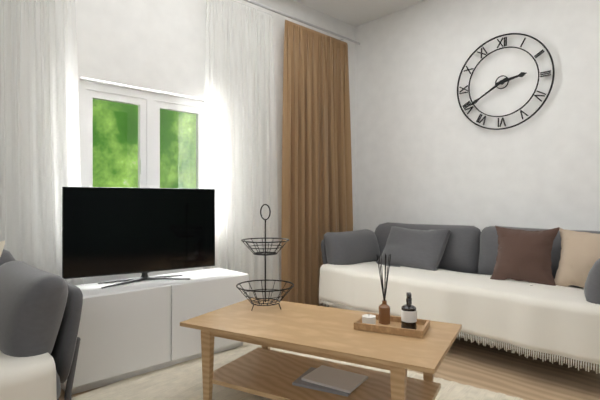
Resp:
**2:40**
